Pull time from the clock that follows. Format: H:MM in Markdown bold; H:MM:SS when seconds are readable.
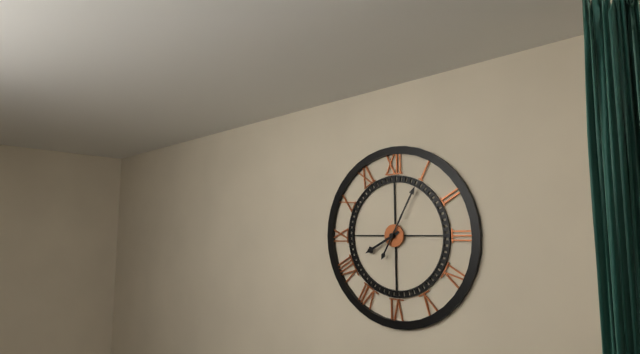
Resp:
**8:05**
